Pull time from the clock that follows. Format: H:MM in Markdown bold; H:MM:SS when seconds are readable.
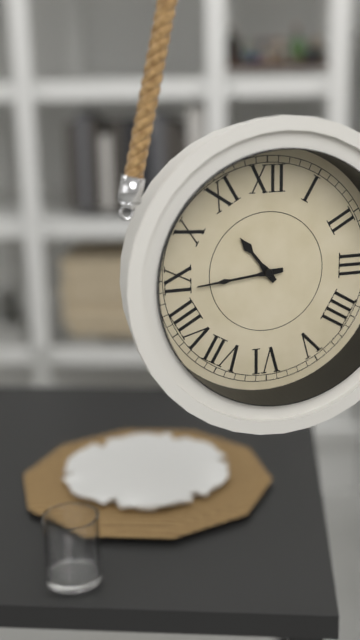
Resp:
**10:44**
